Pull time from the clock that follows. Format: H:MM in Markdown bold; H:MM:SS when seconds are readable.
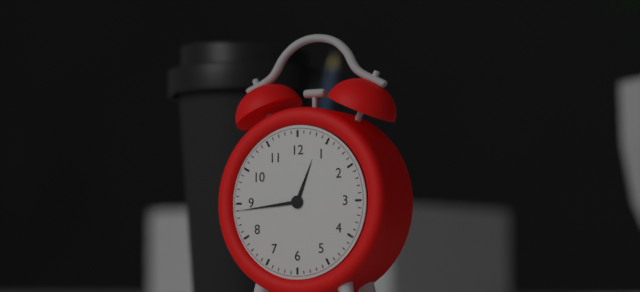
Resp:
**12:44**
